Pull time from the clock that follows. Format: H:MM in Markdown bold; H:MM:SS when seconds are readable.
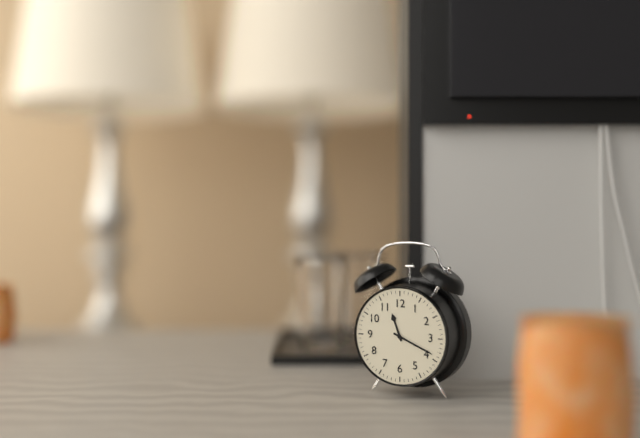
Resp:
**11:19**
